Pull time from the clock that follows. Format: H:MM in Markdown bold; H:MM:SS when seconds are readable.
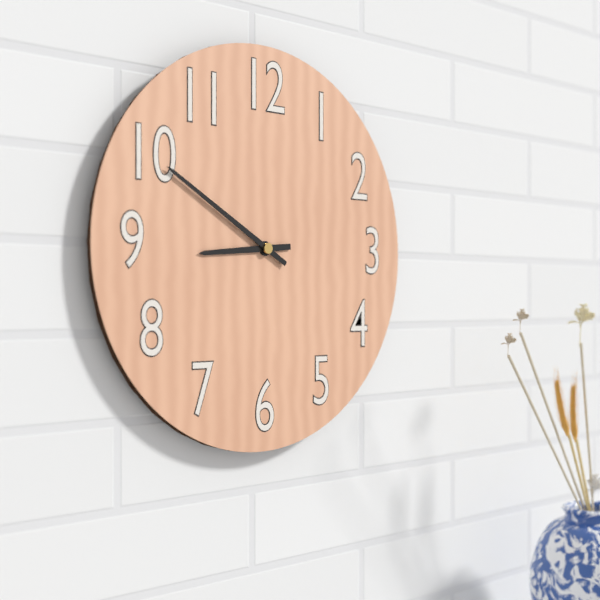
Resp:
**8:50**
